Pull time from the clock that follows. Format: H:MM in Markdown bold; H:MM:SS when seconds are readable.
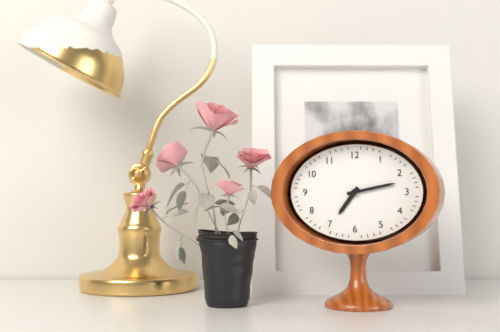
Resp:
**7:13**
